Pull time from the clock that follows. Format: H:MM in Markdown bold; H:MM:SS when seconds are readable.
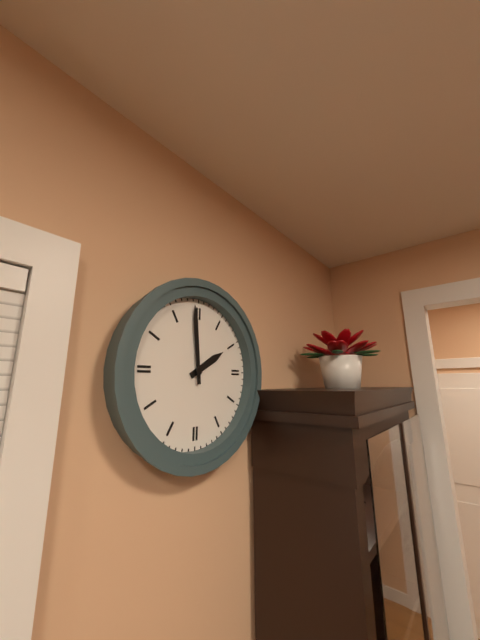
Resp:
**1:59**
